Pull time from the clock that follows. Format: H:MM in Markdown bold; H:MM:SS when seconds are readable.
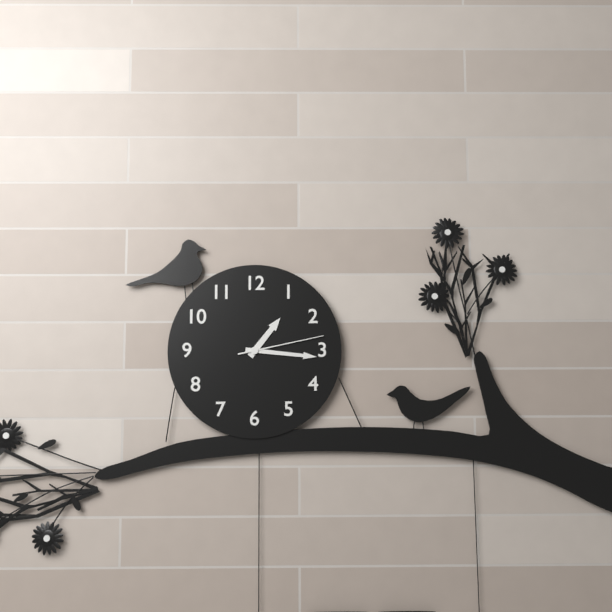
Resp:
**1:16:13**
